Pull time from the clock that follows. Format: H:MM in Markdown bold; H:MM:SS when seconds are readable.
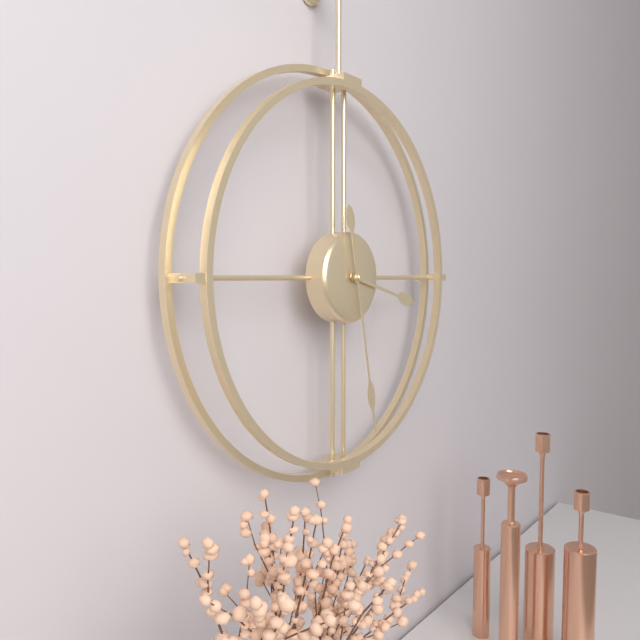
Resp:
**3:28**
